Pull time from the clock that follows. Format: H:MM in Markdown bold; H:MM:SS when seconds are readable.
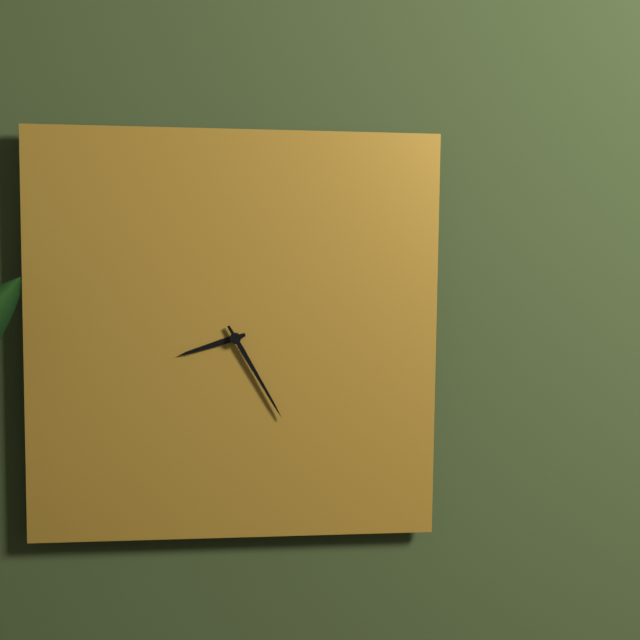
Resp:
**8:25**
